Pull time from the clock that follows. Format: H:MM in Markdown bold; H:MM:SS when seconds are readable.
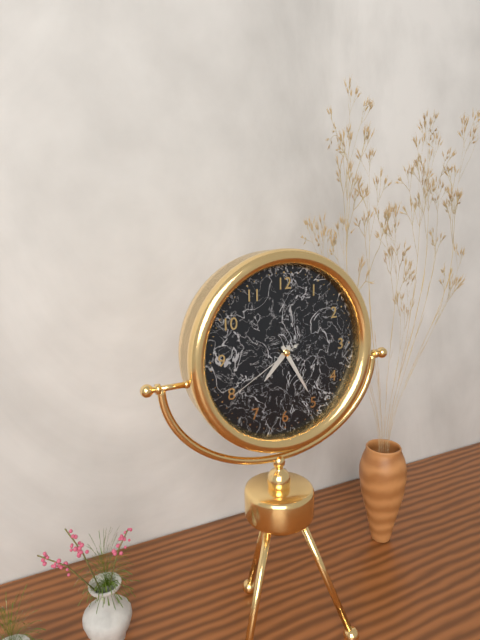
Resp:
**7:25:40**
